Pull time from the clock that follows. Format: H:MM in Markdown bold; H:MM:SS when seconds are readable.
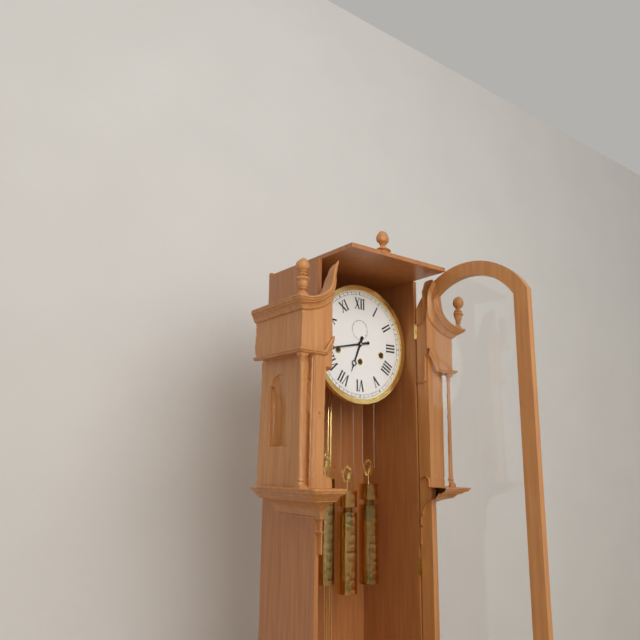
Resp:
**6:43**
